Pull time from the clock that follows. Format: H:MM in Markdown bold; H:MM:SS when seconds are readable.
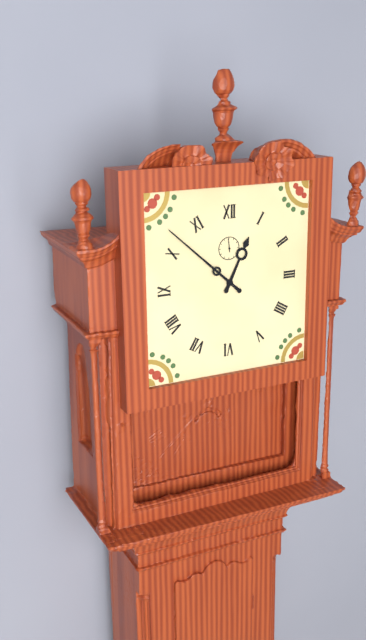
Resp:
**12:52**
